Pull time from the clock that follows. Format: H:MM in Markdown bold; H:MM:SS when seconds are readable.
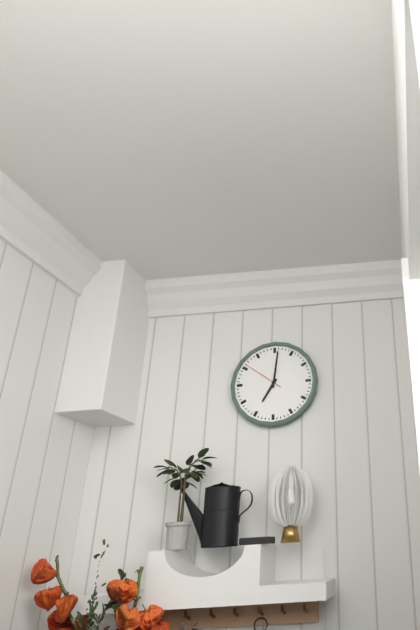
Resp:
**7:01**
